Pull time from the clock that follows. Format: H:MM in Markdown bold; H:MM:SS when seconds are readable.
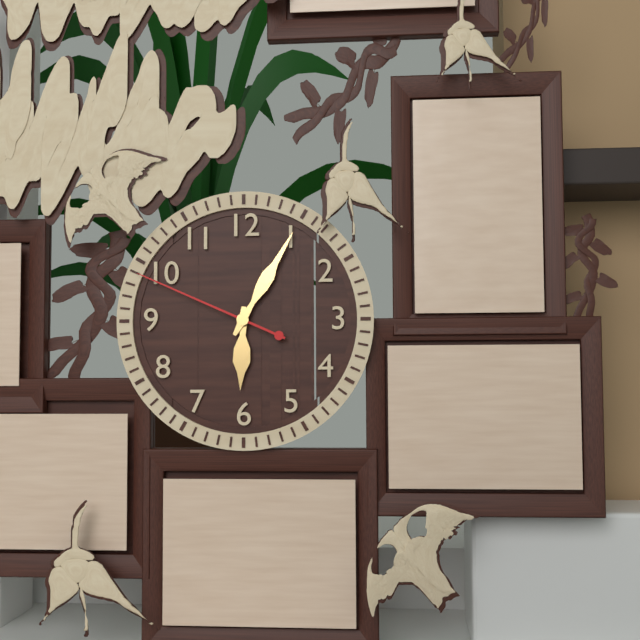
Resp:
**6:05:49**
